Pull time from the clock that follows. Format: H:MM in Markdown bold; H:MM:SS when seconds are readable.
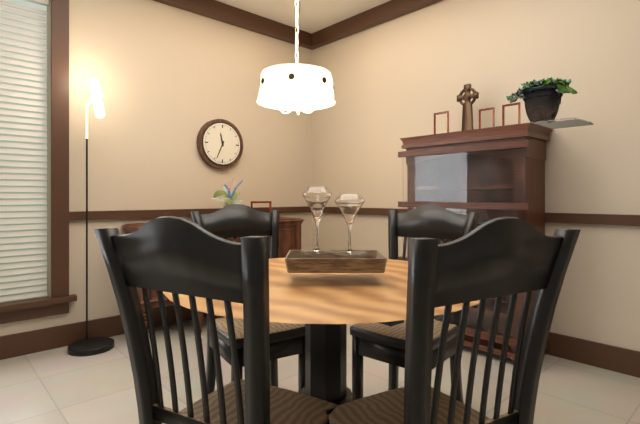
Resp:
**11:34**
